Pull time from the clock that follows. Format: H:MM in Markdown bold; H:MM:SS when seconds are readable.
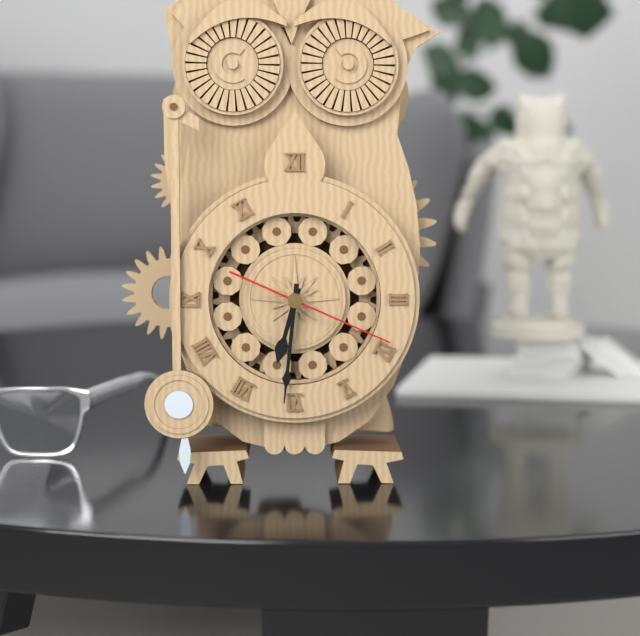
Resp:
**6:31:19**
